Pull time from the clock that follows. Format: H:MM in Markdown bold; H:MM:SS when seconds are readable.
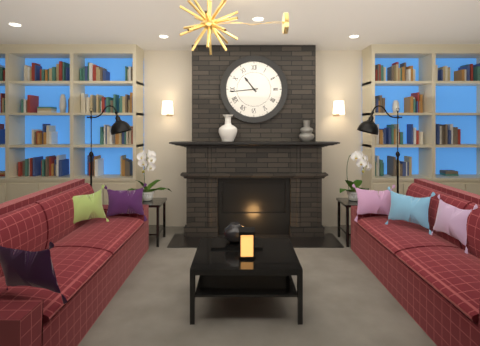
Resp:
**10:44**
